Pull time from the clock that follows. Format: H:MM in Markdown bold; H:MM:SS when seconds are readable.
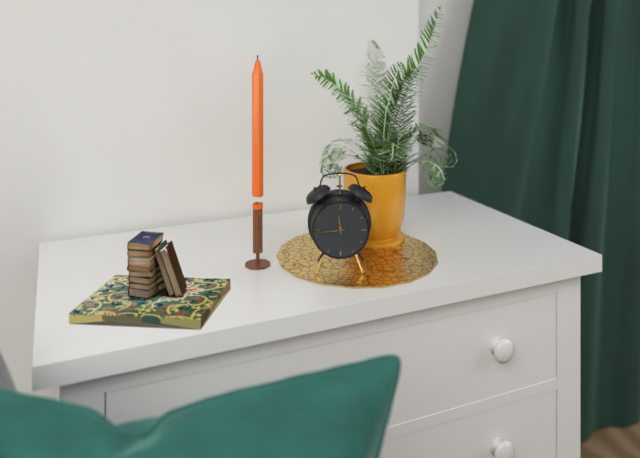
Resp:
**11:44**
